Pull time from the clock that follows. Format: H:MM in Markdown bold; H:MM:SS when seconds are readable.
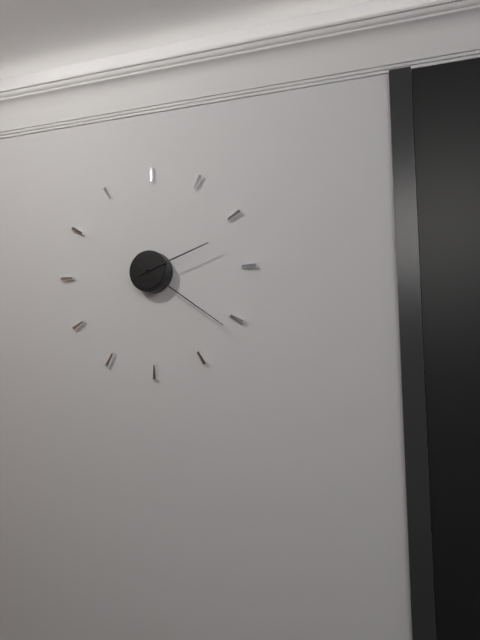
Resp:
**2:21**
